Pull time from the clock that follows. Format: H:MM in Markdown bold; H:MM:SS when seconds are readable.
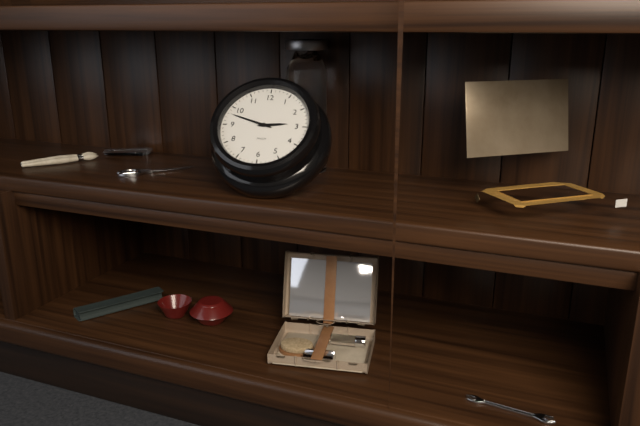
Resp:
**2:48**
